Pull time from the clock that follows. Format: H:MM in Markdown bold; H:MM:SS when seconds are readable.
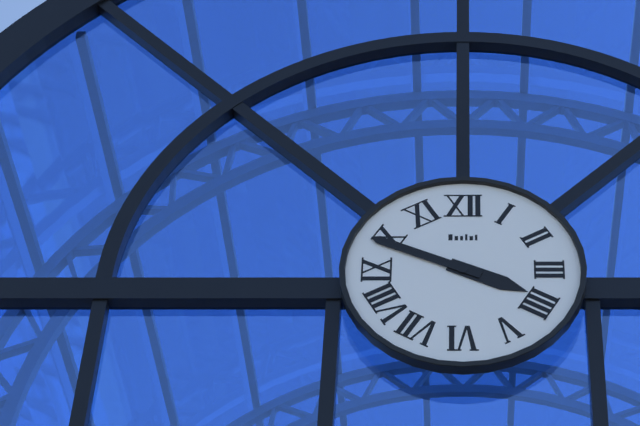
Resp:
**3:49**
